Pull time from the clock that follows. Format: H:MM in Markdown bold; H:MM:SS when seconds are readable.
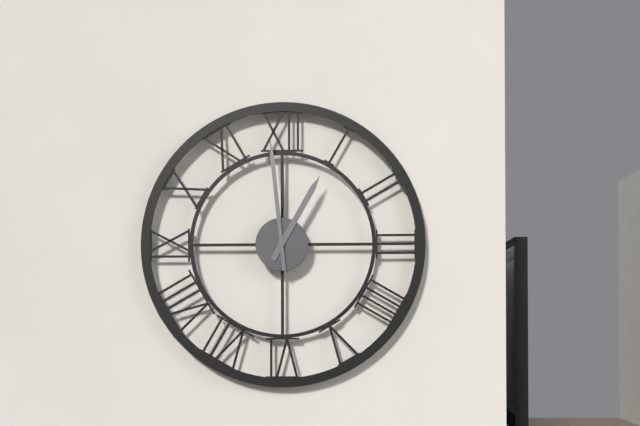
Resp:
**12:59**
